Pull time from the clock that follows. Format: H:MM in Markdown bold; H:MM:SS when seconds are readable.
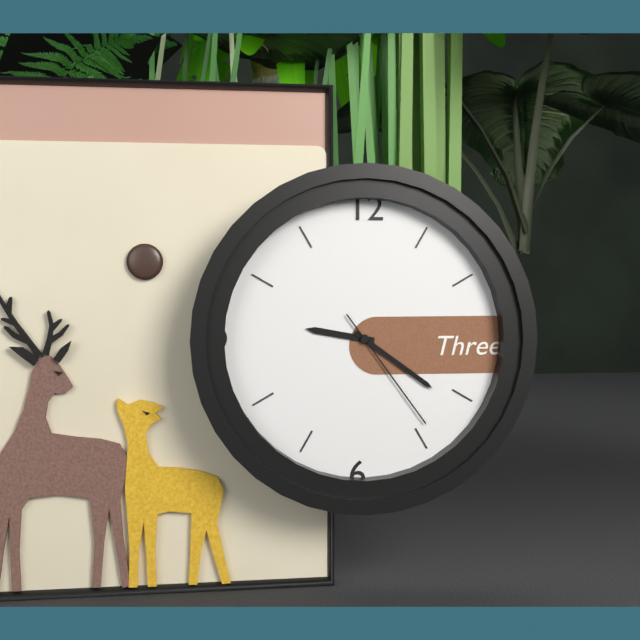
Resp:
**9:21:24**
